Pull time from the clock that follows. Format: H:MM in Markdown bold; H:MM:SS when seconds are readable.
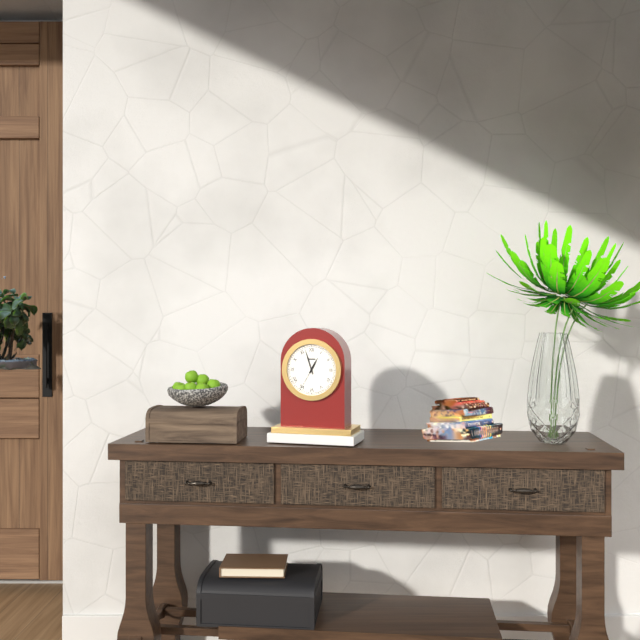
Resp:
**12:57**
